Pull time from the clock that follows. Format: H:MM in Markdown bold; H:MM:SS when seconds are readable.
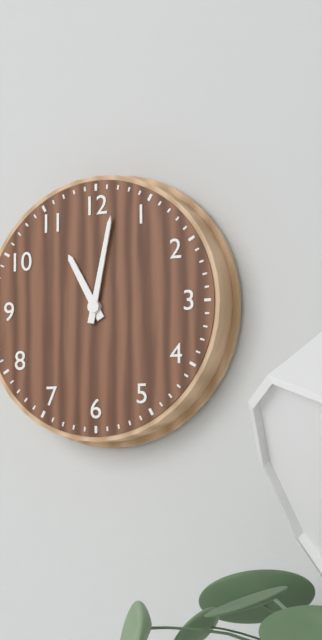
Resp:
**11:02**
